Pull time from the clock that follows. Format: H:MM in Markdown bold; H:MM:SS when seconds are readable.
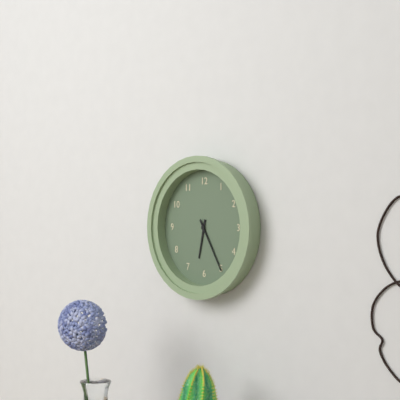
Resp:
**6:25**
